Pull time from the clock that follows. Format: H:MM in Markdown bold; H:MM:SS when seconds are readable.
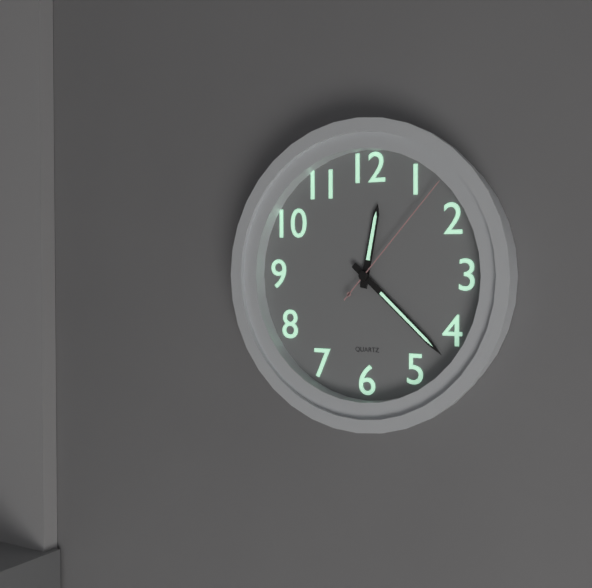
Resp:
**12:22:07**
